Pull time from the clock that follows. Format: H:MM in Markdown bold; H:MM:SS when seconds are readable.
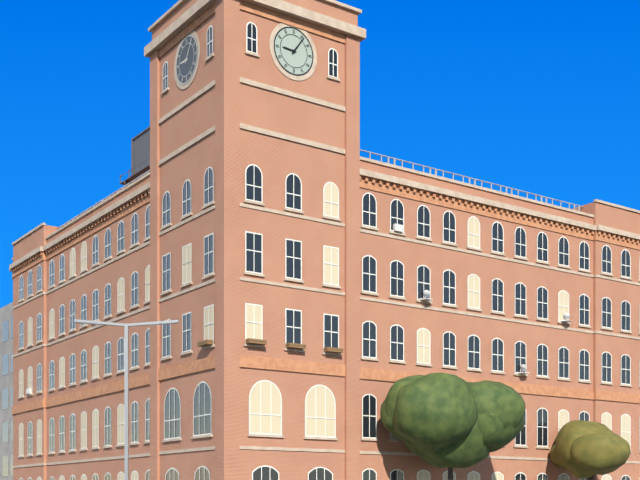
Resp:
**9:06**
